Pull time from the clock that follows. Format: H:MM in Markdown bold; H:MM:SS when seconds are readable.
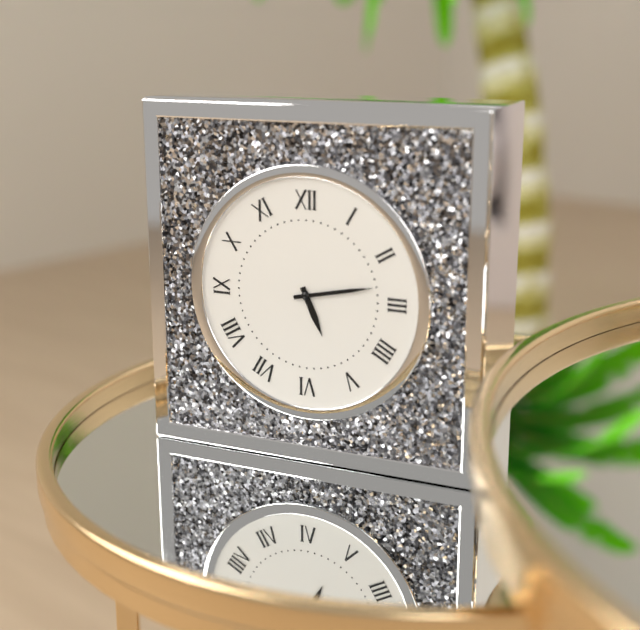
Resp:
**5:13**
